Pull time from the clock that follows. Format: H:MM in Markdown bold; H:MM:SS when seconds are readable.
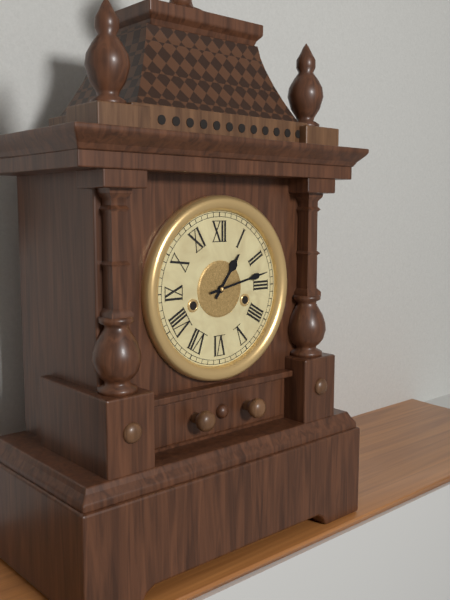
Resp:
**1:13**
